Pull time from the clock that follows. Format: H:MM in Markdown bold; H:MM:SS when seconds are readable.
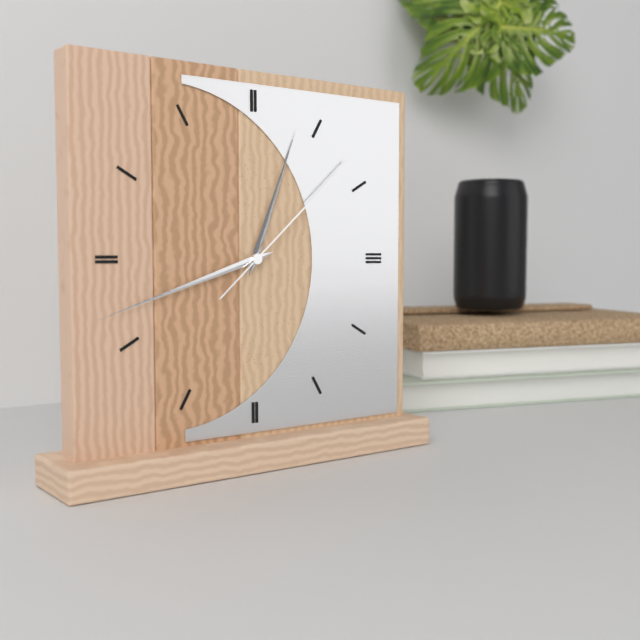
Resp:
**12:42:08**
